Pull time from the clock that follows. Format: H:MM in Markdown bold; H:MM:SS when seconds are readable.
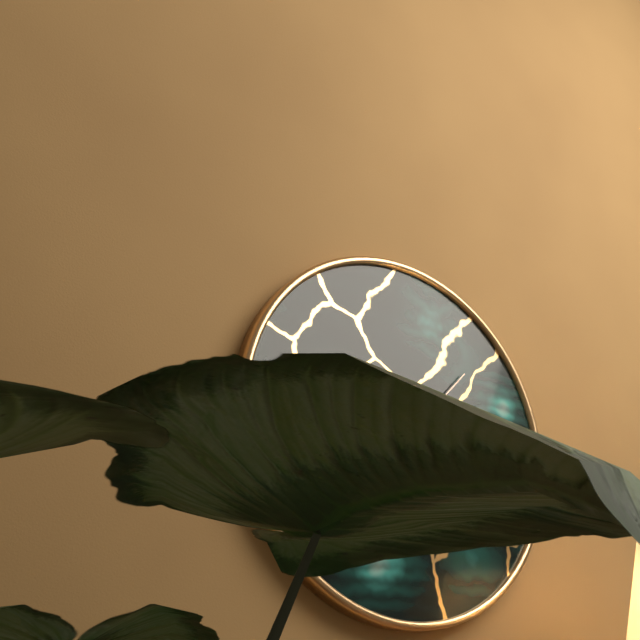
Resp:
**2:17:07**
